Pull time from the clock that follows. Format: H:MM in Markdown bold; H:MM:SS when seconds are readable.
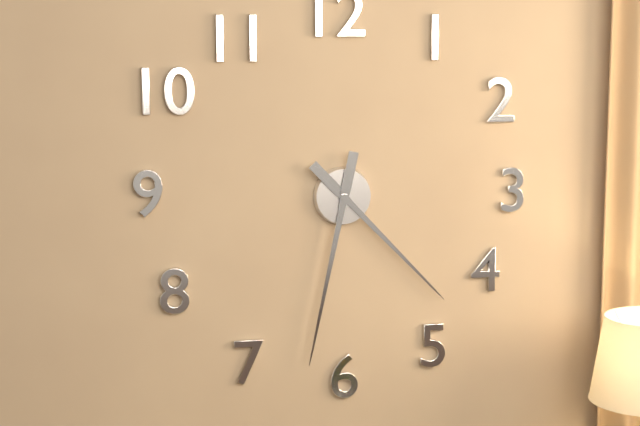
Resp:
**4:32**
